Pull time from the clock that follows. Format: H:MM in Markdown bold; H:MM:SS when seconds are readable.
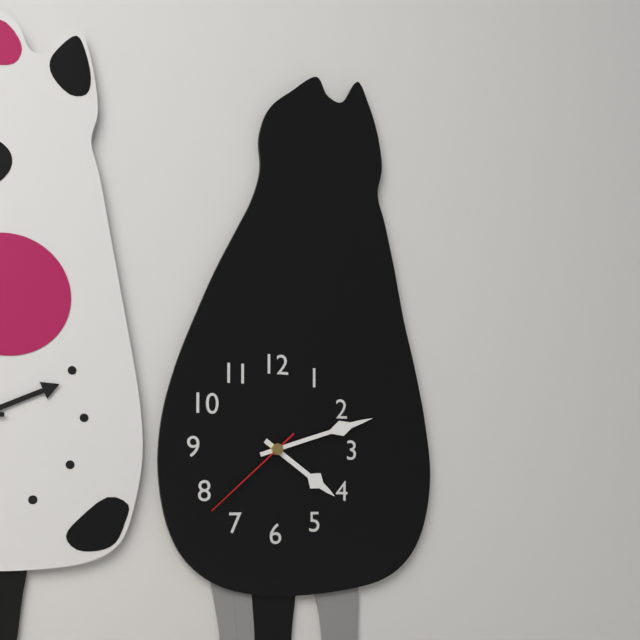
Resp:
**4:12:38**
